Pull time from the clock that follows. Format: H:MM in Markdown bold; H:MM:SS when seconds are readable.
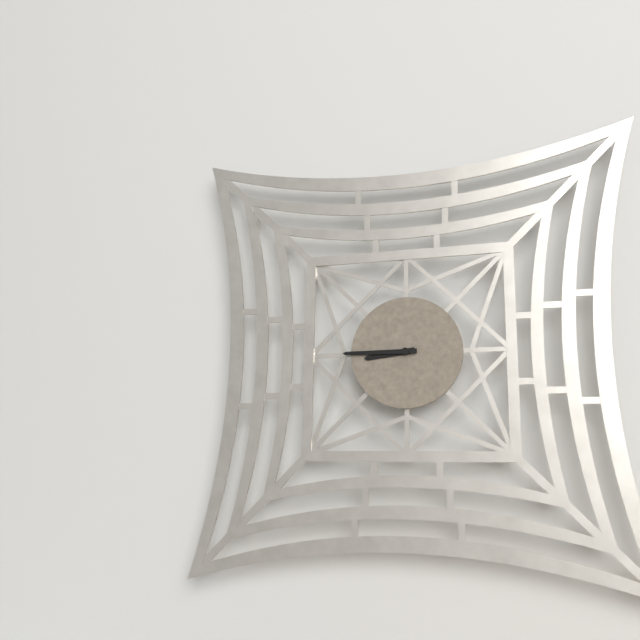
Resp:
**8:45**
